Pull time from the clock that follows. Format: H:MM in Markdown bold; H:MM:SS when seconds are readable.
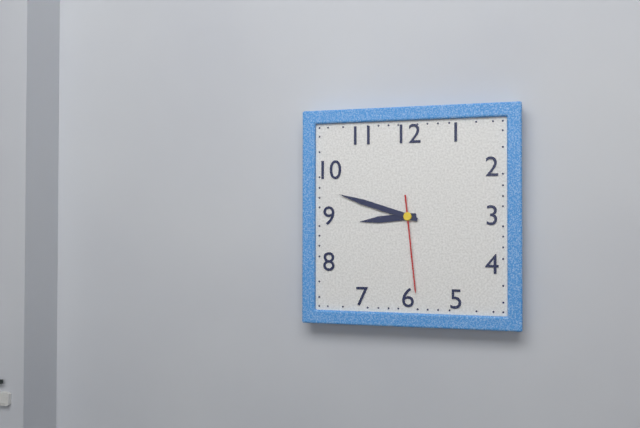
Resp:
**8:48:29**
